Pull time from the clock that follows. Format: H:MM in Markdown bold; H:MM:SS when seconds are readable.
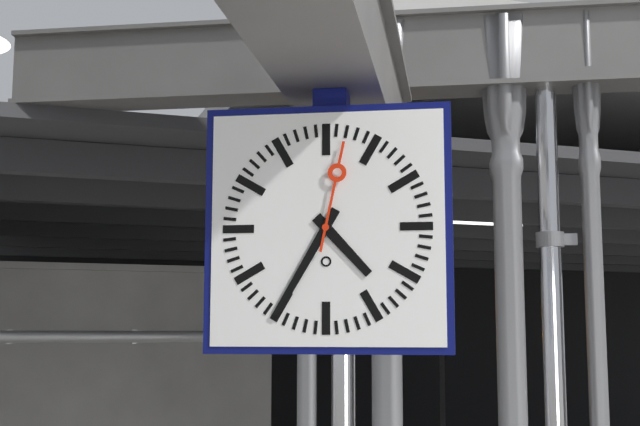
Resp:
**4:35:02**
